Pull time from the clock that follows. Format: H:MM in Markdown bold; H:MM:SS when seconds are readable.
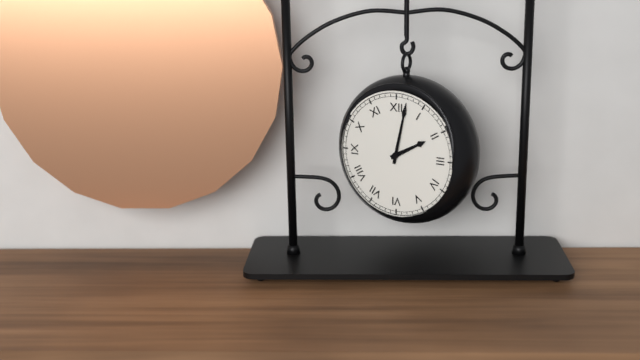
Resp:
**2:02**
